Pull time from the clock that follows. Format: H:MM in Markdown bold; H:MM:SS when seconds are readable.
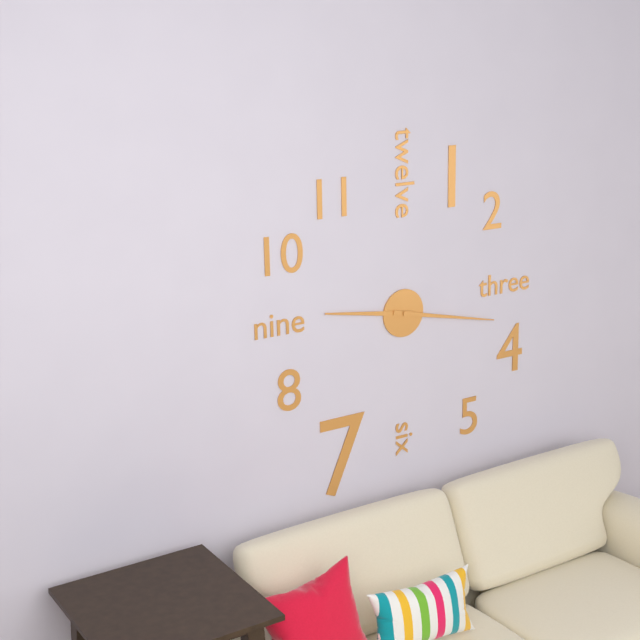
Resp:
**9:17**
